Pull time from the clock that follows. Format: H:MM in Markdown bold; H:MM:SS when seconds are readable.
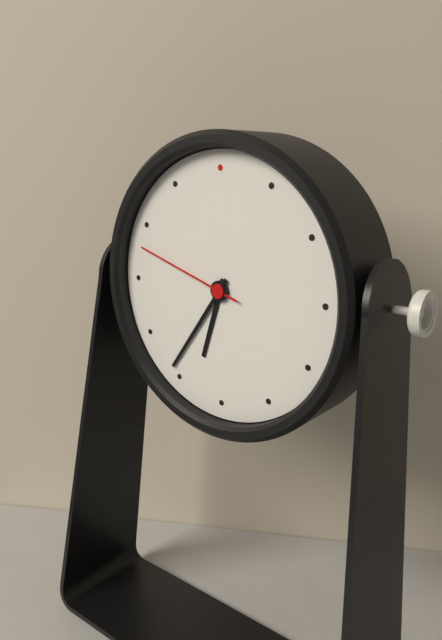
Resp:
**6:36:48**
